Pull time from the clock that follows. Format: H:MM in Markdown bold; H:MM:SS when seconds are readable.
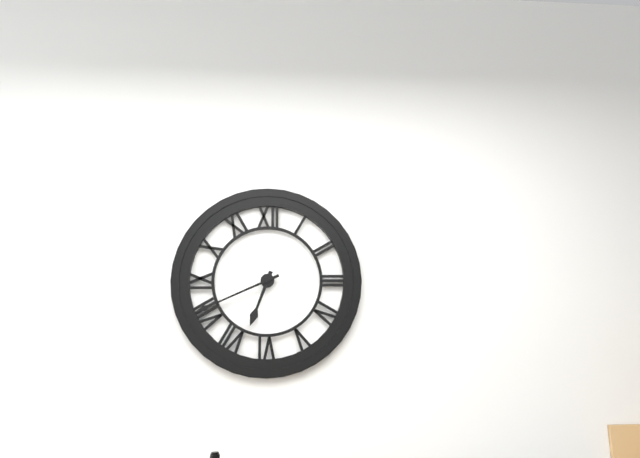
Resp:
**6:41**
